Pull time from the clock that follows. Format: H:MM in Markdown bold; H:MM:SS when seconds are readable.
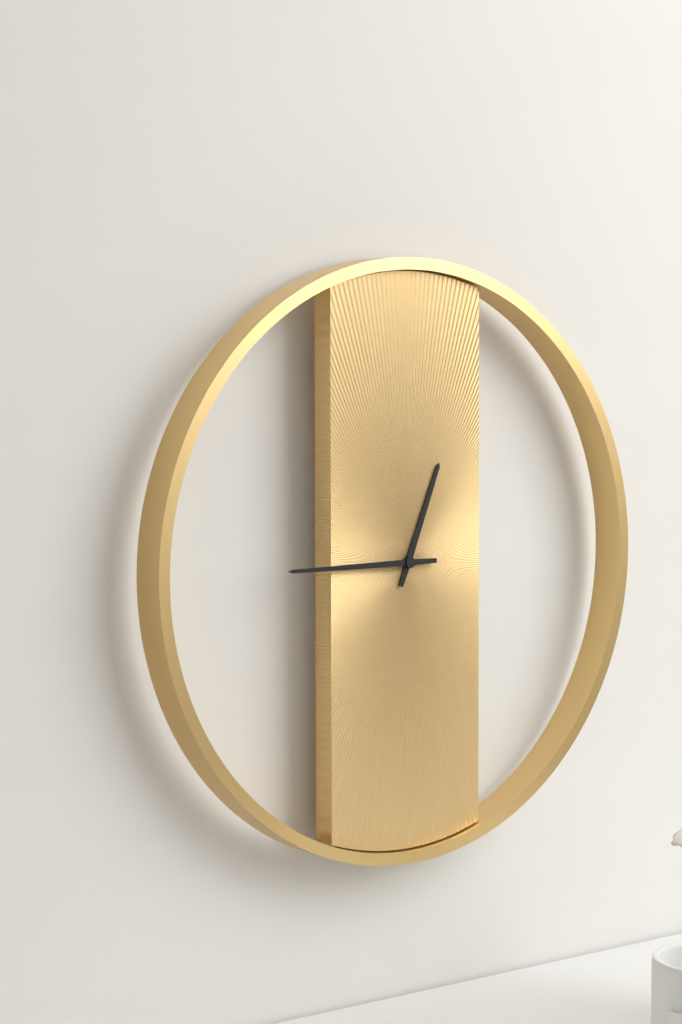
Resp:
**12:45**
